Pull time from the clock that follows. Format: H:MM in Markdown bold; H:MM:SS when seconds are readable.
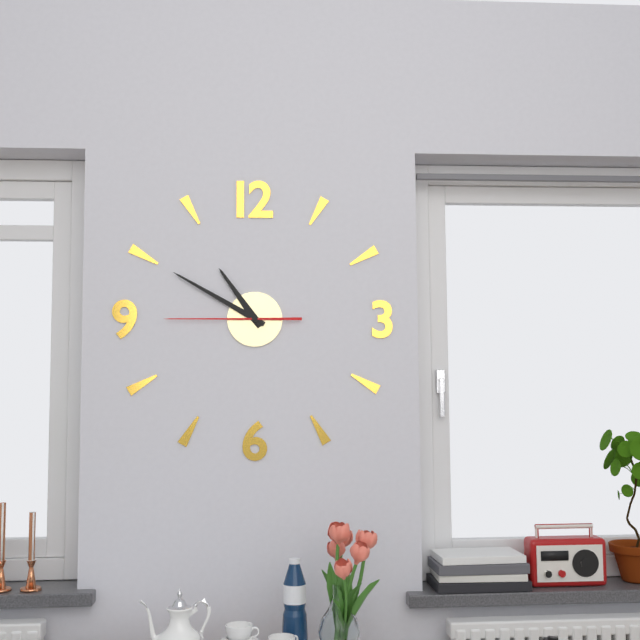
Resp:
**10:50:45**
